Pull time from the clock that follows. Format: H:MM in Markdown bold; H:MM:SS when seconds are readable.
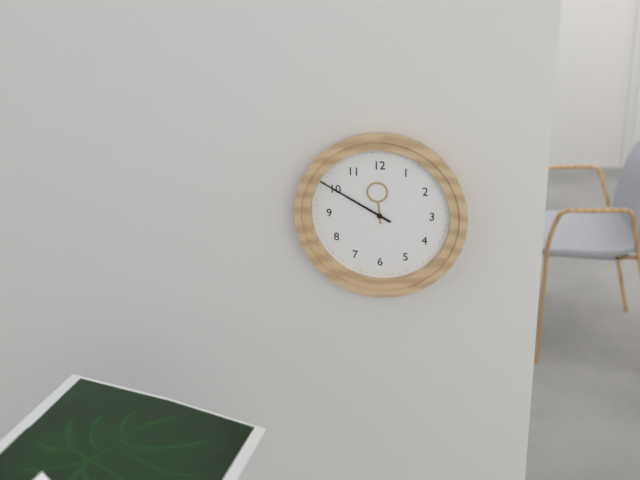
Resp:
**11:50**
